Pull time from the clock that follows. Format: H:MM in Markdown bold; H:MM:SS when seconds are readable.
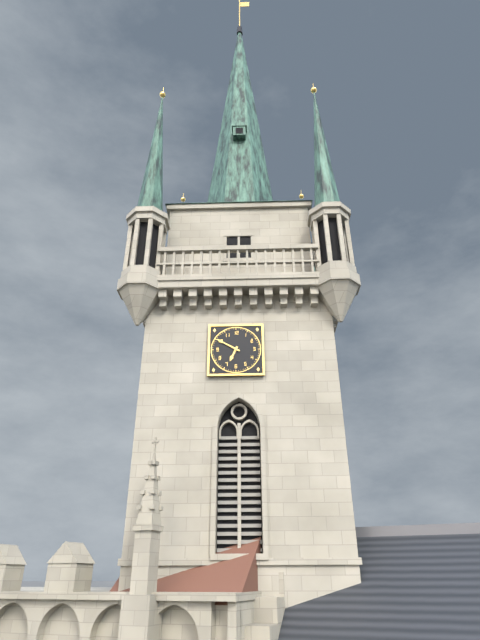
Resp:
**6:50**
